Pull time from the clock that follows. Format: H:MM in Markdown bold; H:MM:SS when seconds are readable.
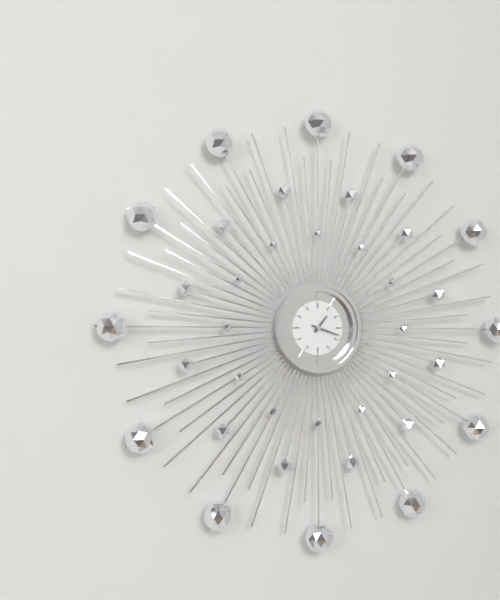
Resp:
**1:18**
